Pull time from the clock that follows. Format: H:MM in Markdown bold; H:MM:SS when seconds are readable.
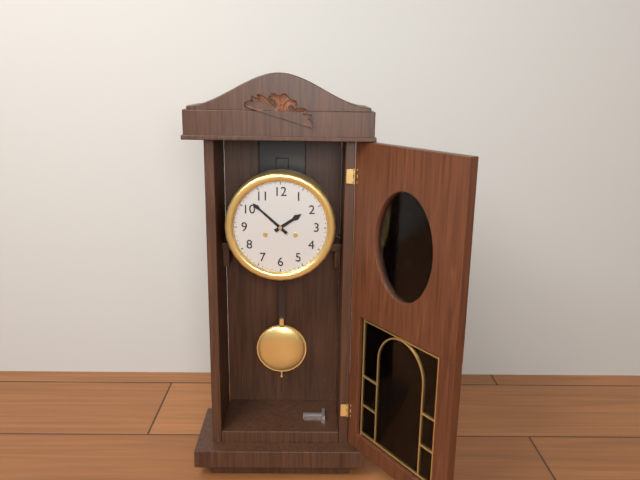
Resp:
**1:52**
